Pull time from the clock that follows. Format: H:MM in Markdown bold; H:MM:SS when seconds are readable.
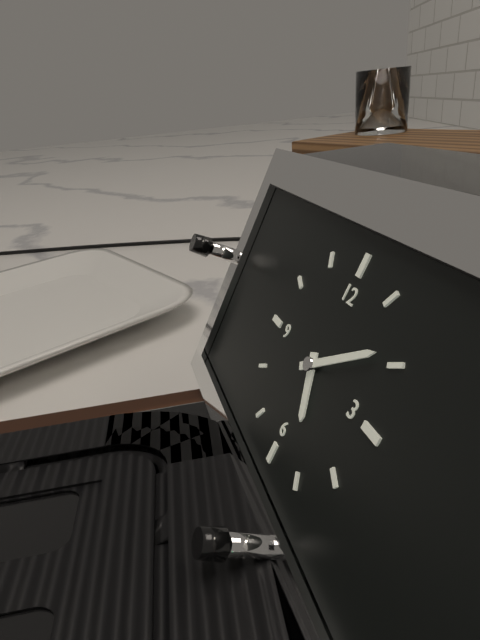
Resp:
**5:09**
